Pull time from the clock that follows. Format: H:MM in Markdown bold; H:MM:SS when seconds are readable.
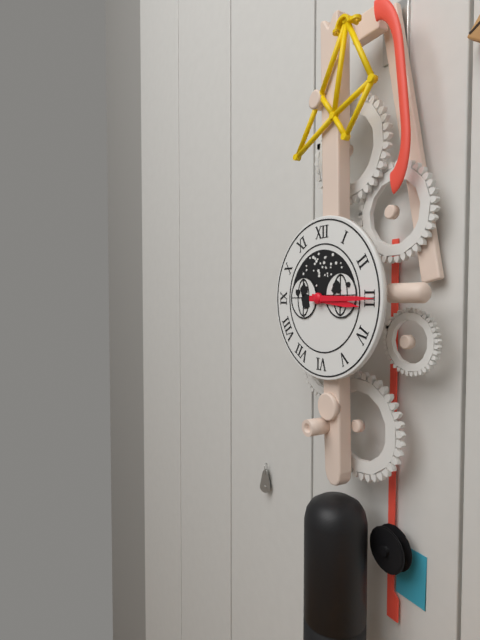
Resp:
**3:15**
